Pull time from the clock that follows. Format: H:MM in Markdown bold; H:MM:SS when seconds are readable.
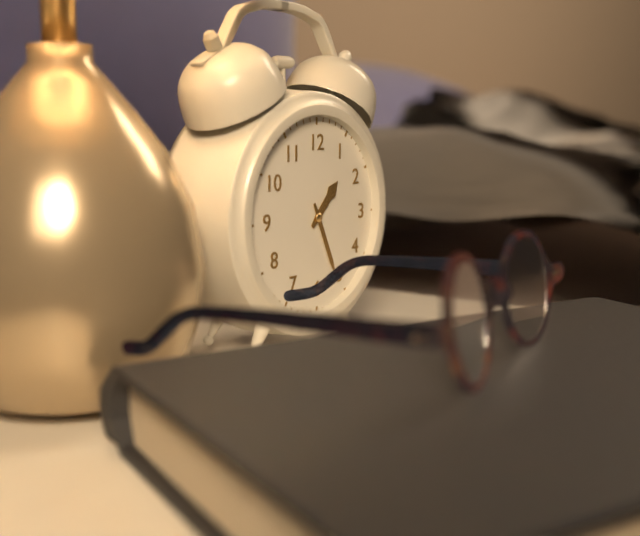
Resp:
**1:26**
